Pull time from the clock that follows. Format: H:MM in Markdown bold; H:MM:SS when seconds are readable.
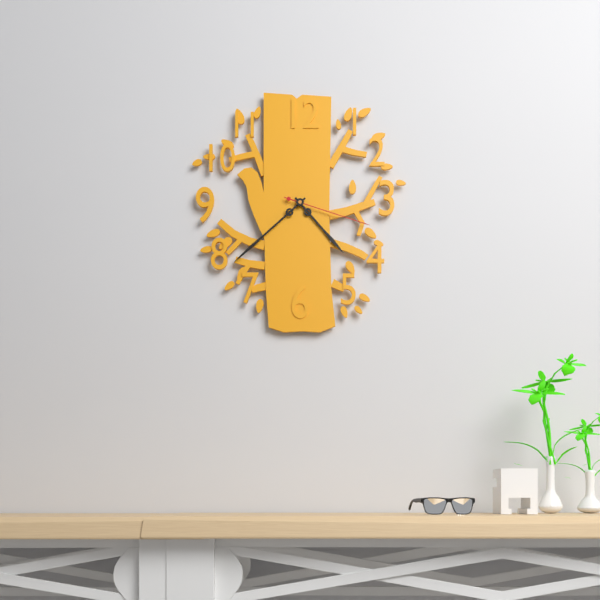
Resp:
**4:38:18**
